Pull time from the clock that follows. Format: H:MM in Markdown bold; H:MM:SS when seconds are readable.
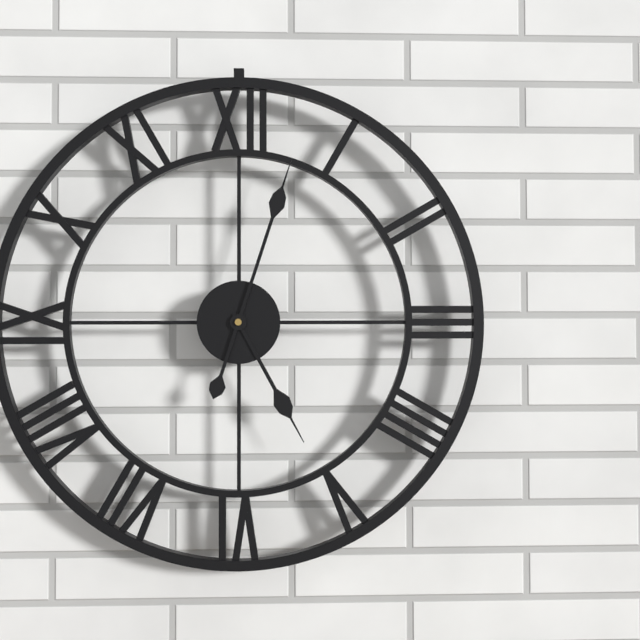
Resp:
**5:03**
